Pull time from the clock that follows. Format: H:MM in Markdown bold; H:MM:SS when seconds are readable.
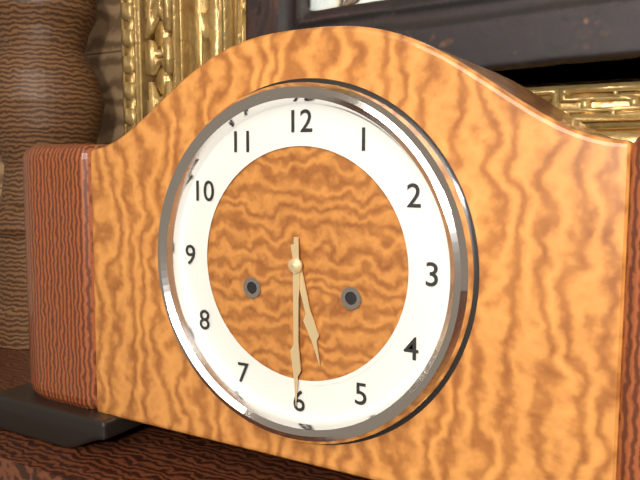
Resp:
**5:30**
